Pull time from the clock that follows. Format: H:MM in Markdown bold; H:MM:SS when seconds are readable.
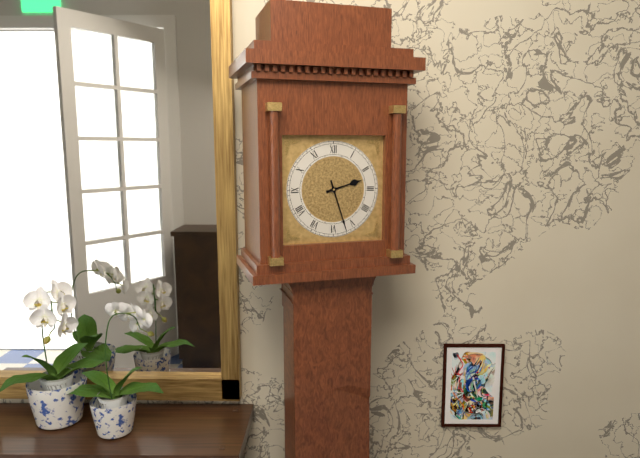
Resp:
**2:27**
